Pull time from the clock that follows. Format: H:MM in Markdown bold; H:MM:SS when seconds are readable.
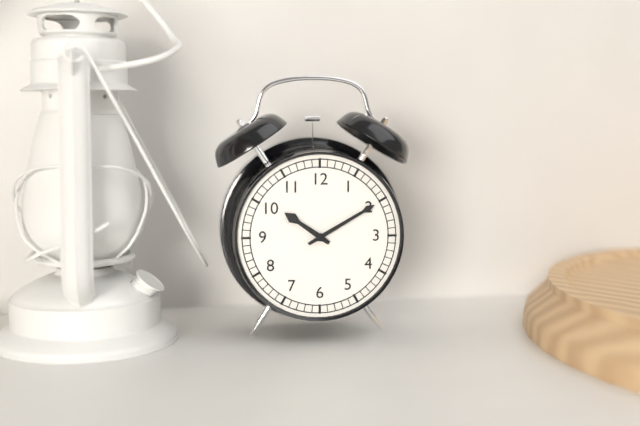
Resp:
**10:10**
